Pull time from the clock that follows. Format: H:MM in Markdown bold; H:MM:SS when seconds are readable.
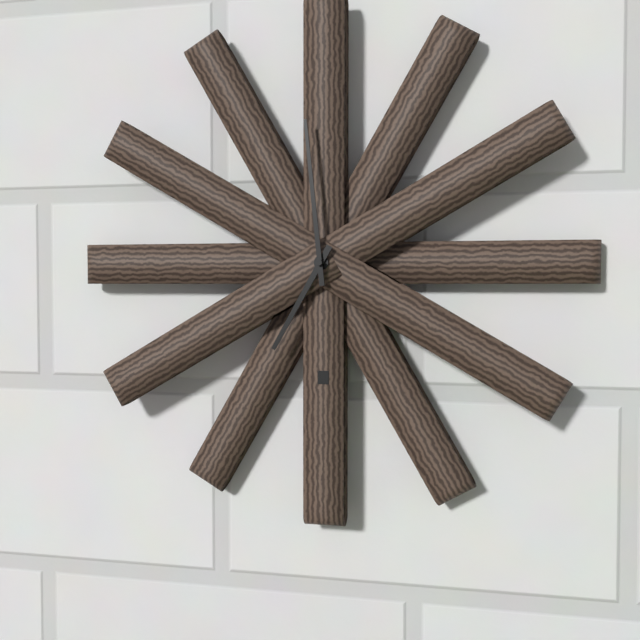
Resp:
**6:59**
